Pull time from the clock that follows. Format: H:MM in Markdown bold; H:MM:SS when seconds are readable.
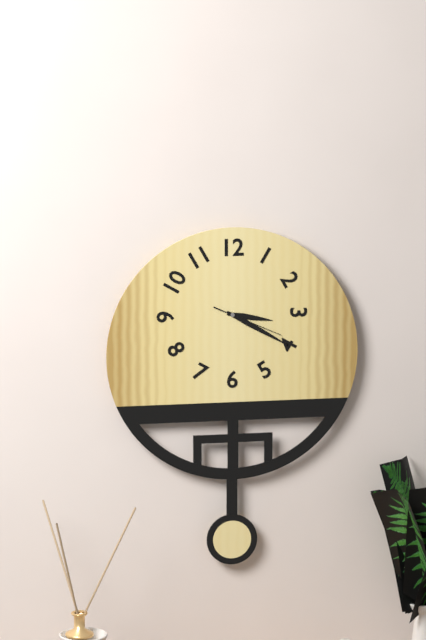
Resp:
**3:20:19**
